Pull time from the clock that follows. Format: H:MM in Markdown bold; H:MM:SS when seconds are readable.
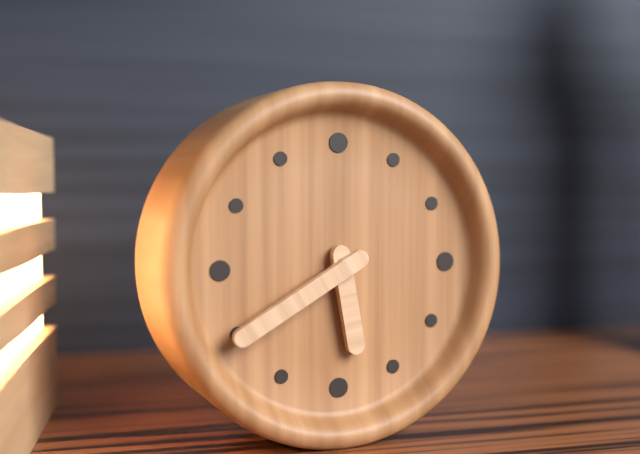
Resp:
**5:40**
